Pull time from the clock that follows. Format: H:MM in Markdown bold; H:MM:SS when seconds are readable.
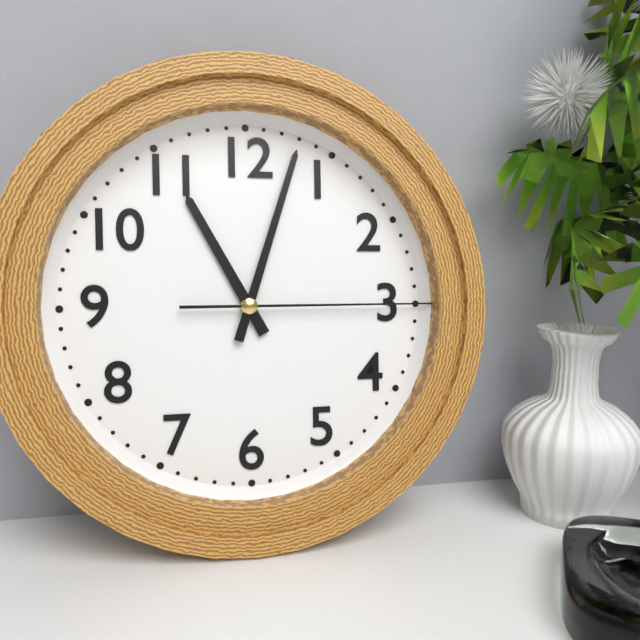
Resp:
**11:03:15**
